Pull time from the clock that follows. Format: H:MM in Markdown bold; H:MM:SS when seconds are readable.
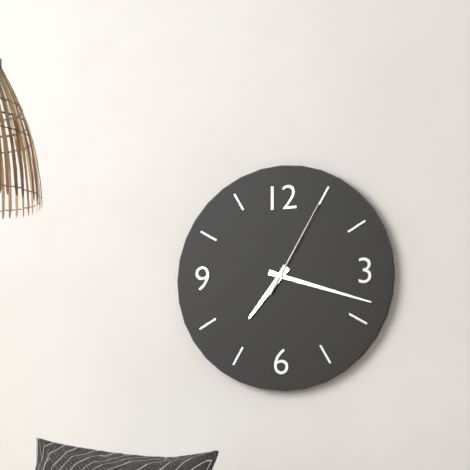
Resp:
**7:18:05**
